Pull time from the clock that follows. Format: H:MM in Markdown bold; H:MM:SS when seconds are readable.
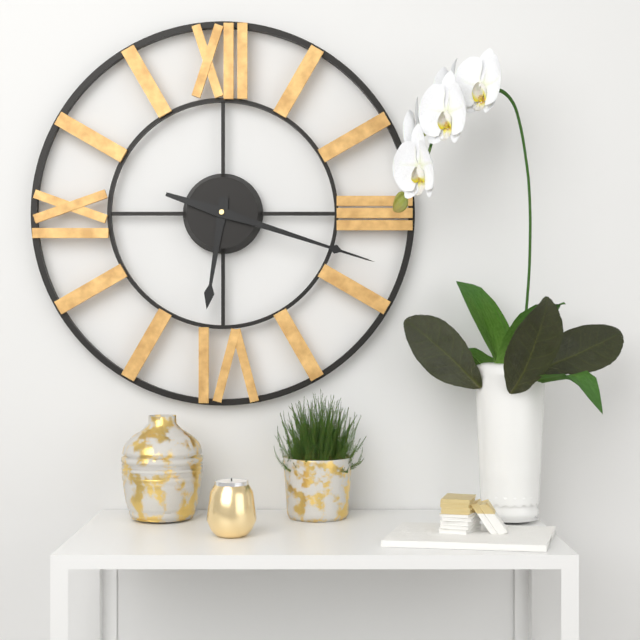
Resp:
**6:18**
